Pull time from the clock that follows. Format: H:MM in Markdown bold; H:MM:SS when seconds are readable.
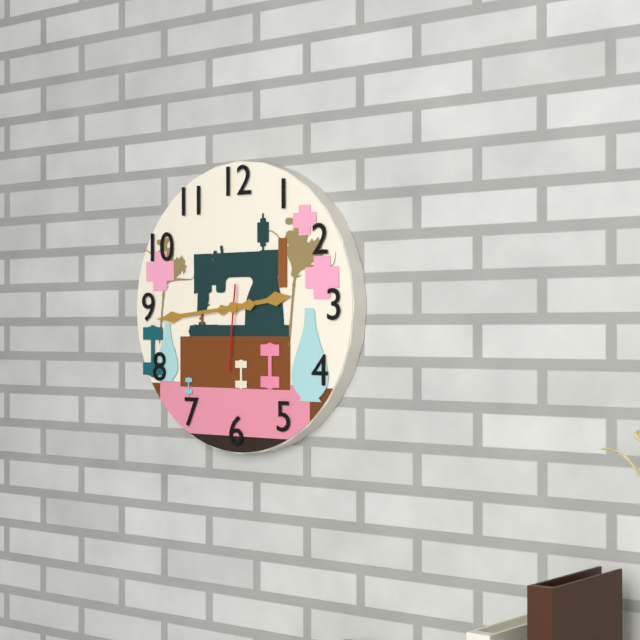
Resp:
**2:44:31**
